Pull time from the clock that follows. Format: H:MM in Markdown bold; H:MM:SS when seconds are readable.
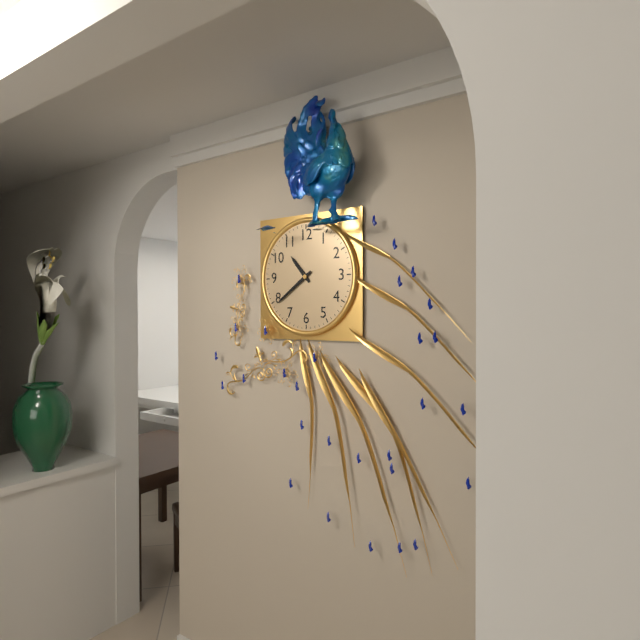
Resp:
**10:39**
